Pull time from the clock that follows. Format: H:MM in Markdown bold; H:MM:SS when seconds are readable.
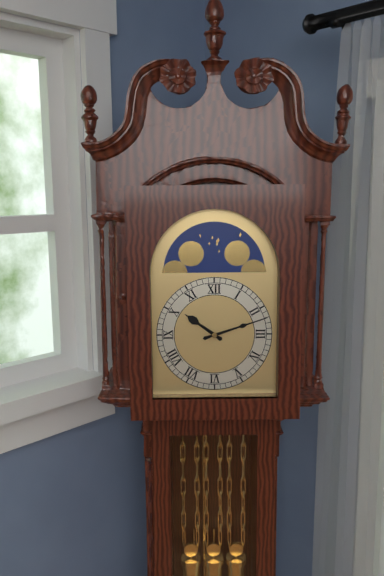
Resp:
**10:12**
